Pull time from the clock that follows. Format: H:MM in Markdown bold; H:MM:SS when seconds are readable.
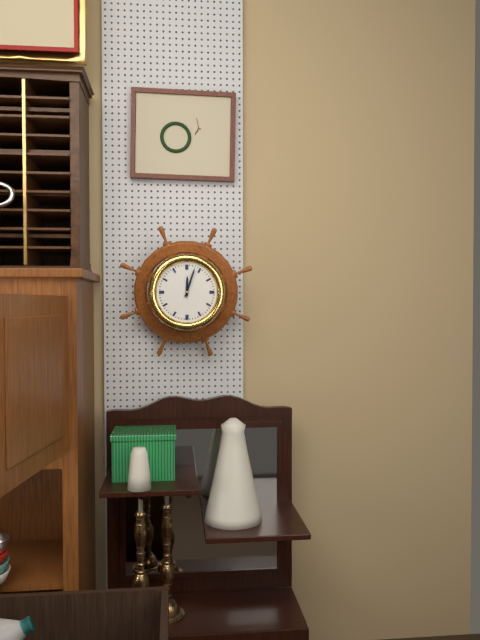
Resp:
**12:03**
